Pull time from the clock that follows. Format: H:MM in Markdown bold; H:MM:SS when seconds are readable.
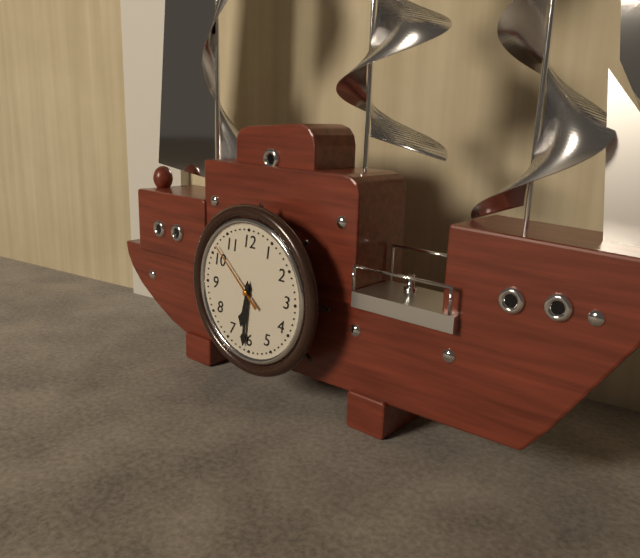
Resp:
**6:31:52**
